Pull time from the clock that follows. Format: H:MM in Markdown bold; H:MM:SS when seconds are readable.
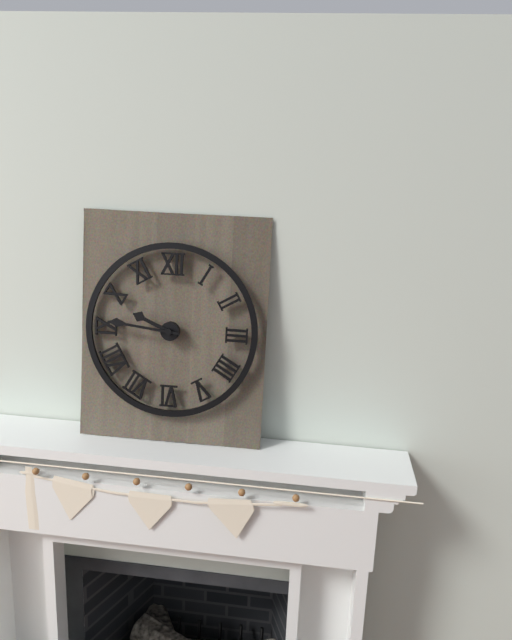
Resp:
**9:46**
